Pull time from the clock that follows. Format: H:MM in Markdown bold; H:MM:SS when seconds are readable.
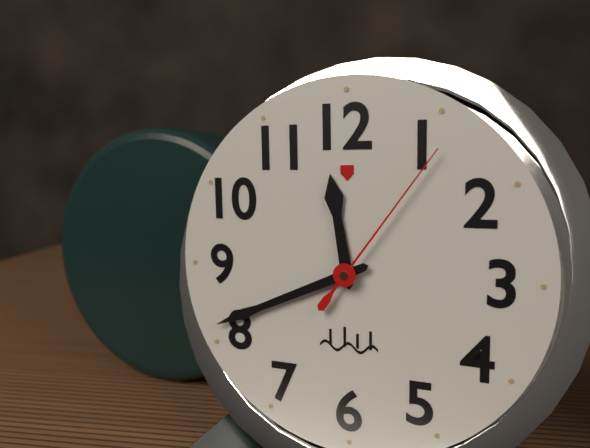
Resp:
**11:41:06**
